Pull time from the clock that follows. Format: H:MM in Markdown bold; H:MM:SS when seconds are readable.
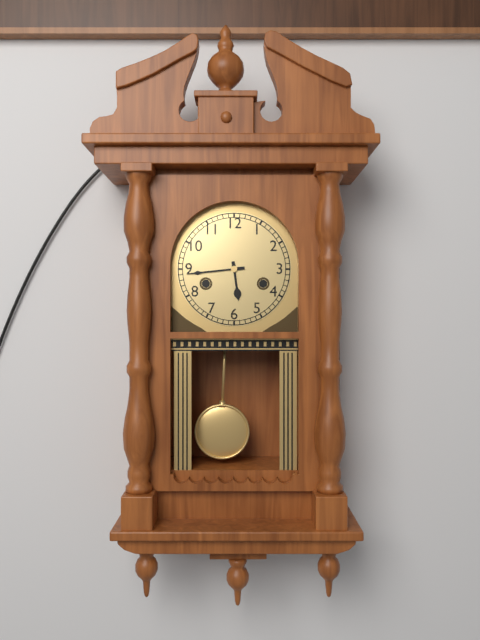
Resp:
**5:44**
